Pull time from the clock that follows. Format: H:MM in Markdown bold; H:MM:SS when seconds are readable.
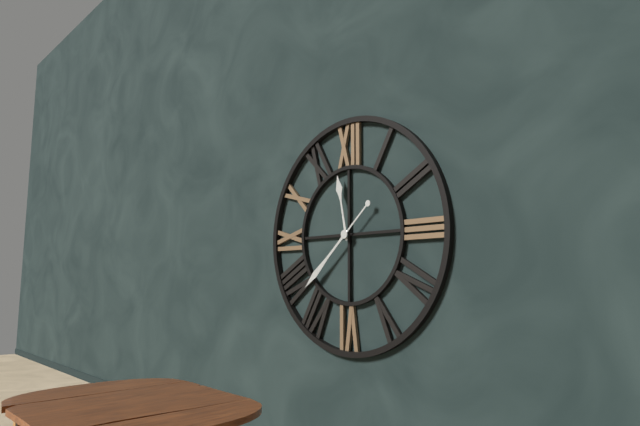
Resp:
**11:38**
